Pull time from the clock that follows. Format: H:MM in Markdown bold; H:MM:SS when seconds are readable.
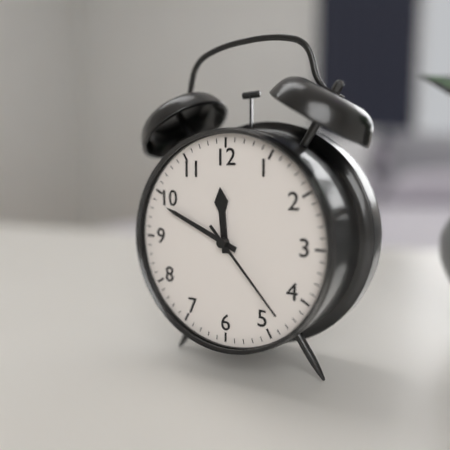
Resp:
**11:49:23**
